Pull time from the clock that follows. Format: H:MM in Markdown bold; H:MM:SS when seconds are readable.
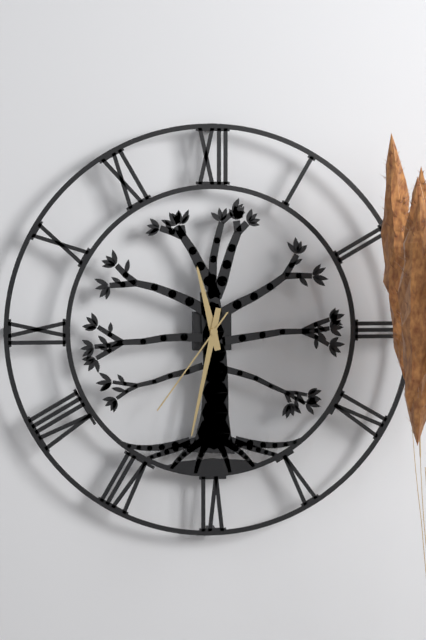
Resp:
**11:32:36**
